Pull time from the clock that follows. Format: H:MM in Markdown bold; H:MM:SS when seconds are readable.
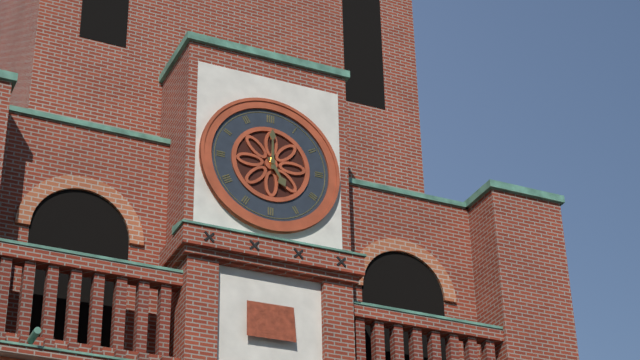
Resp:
**5:00**
